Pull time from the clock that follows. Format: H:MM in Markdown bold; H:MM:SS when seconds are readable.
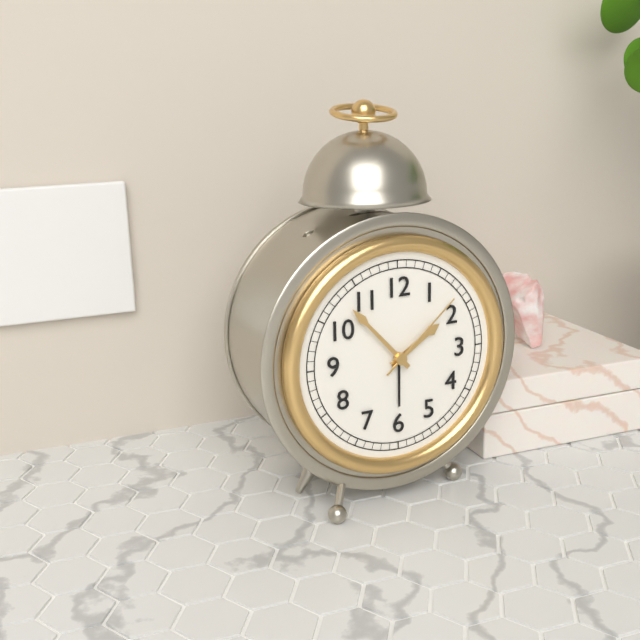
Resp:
**1:53:08**
